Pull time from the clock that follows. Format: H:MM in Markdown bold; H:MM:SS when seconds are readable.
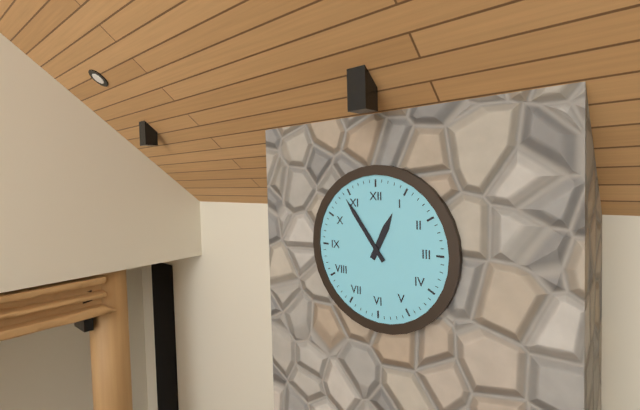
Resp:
**12:54**
